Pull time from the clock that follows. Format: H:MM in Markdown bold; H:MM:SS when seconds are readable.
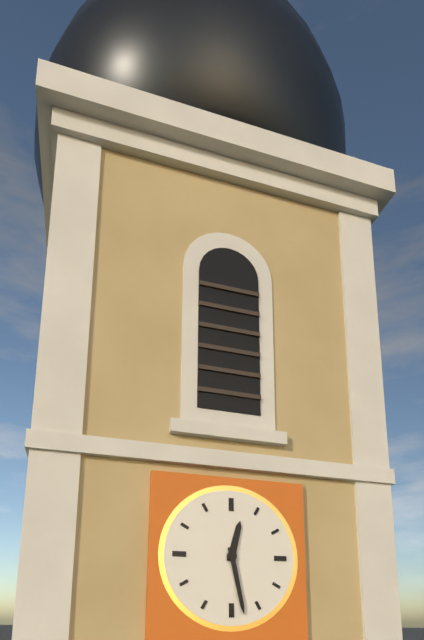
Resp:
**12:28**
